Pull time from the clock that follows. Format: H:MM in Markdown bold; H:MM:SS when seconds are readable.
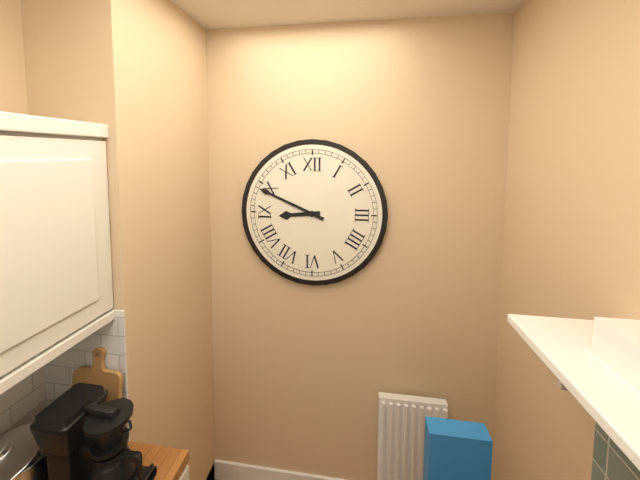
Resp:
**8:49**
